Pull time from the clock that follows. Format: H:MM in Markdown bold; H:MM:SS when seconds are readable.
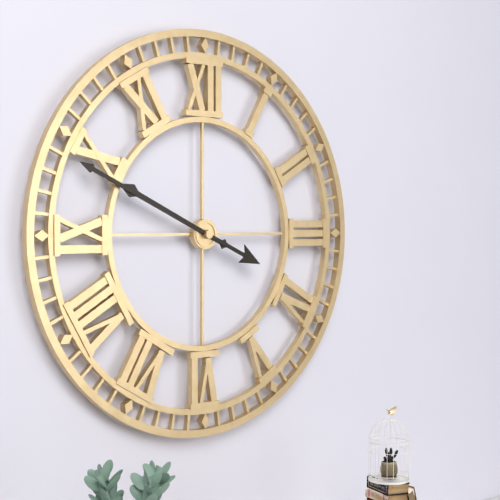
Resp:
**9:49**
